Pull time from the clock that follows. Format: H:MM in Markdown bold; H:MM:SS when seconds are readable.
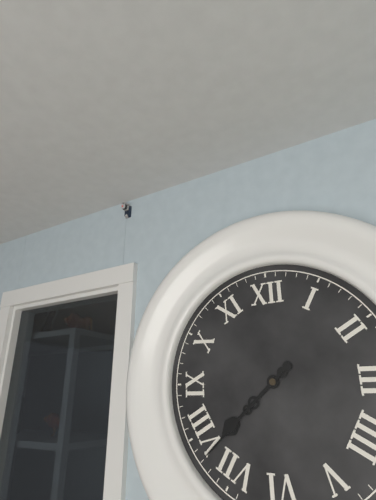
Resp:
**7:38**
